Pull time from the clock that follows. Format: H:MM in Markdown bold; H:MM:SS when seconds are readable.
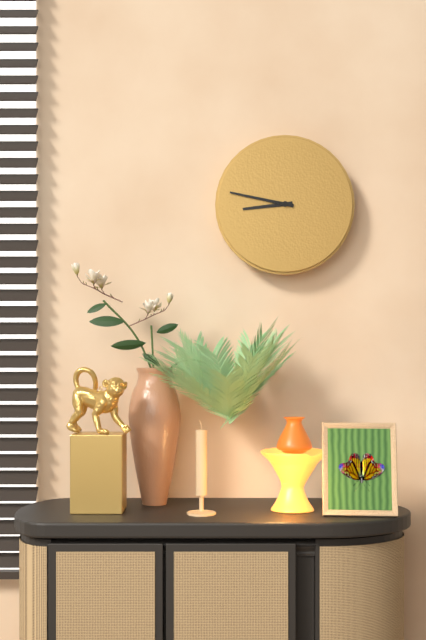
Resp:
**8:47**
